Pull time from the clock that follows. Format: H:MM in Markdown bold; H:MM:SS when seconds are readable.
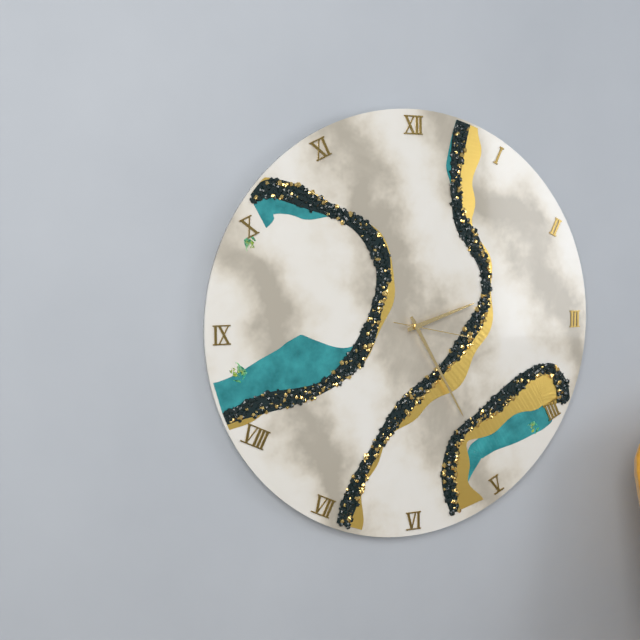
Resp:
**2:25:17**
